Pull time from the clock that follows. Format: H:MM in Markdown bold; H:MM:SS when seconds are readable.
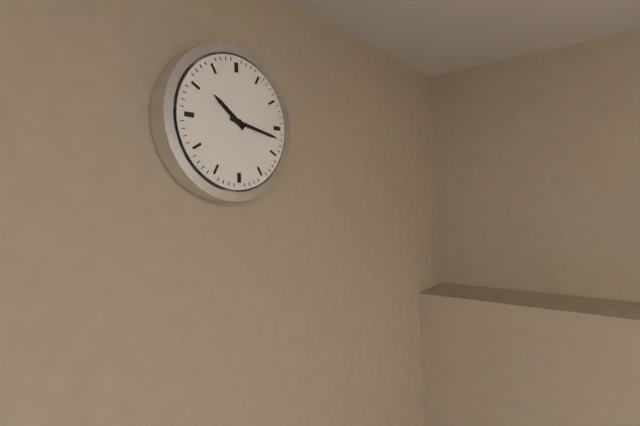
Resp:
**10:17**
